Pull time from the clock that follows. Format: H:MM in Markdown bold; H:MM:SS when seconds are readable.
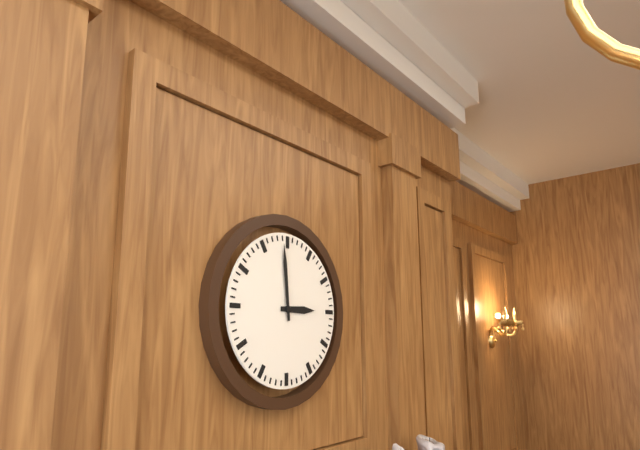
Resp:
**2:59**
